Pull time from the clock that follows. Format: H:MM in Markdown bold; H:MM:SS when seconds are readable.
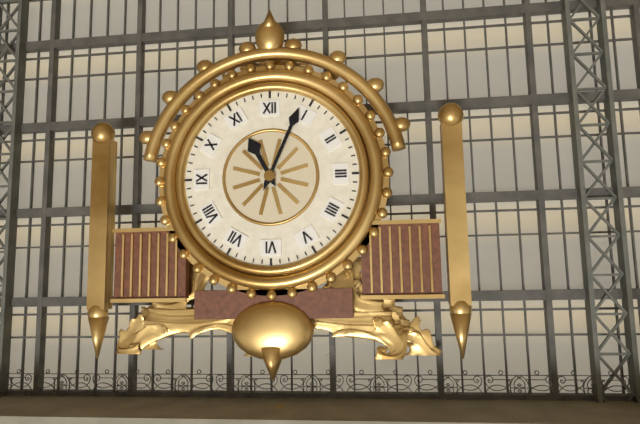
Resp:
**11:04**
